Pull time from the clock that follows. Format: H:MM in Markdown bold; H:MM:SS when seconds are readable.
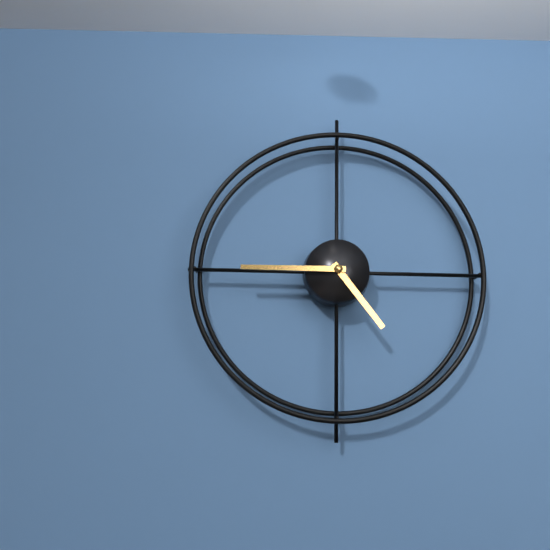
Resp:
**4:45**
